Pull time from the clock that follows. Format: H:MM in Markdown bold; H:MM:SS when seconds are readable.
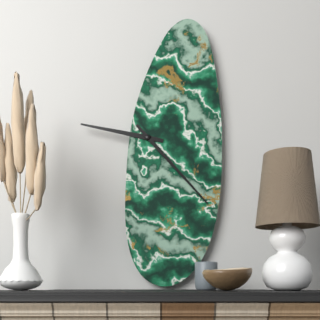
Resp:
**9:23**
